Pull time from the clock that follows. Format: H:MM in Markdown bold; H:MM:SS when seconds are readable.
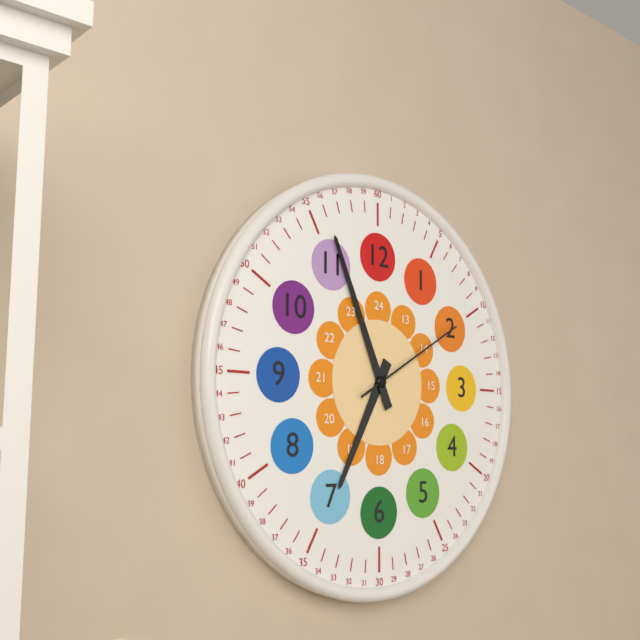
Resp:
**6:56:10**
